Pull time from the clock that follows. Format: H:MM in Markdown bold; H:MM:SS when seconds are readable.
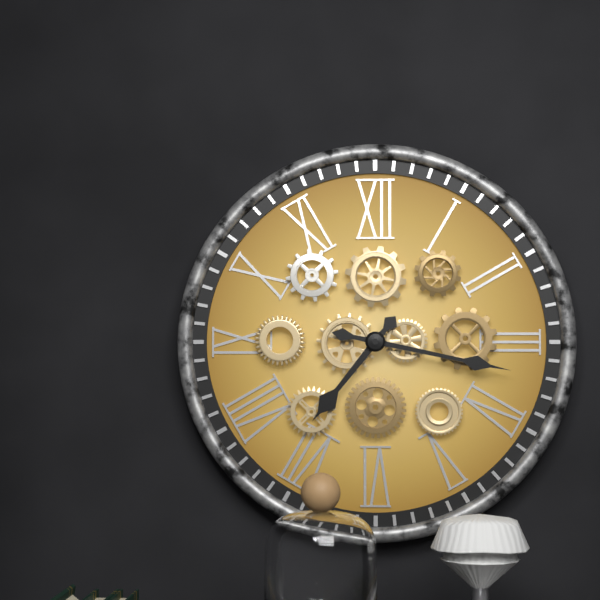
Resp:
**7:17**
